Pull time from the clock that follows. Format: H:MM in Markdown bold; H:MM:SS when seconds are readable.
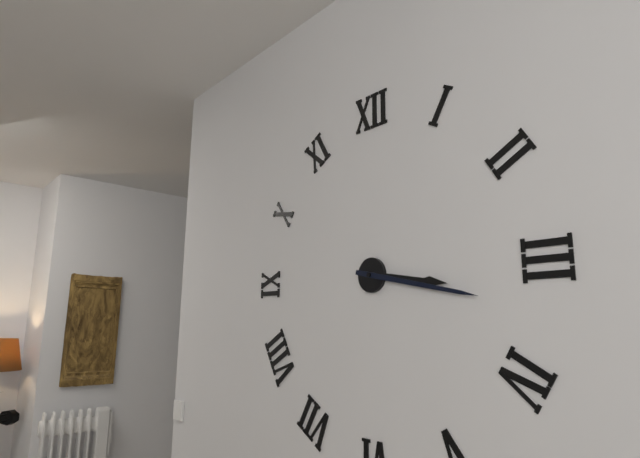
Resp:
**3:17**
